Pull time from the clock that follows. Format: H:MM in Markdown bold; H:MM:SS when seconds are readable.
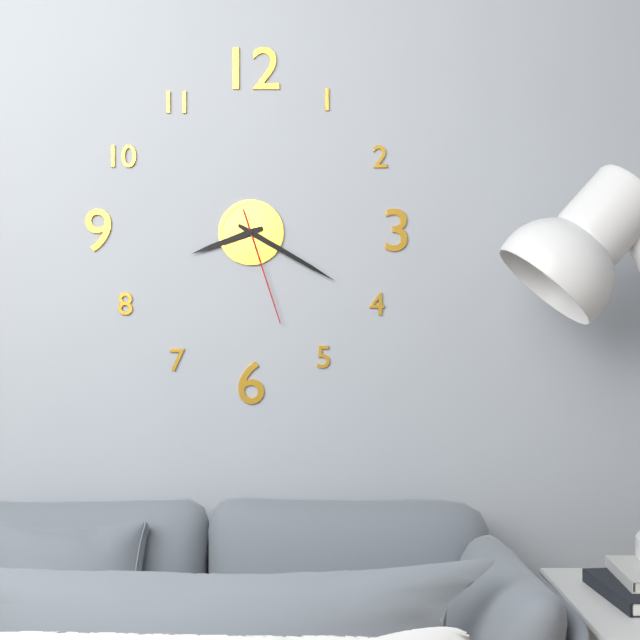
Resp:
**8:20:27**
